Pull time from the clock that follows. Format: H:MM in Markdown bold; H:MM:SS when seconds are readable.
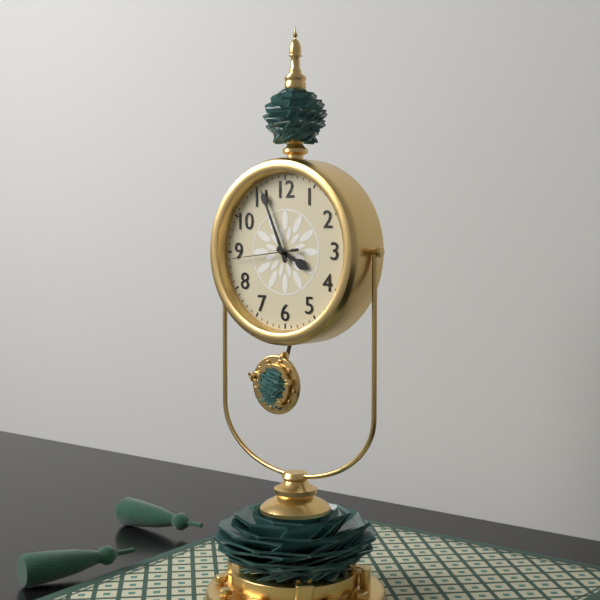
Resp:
**3:56:44**
